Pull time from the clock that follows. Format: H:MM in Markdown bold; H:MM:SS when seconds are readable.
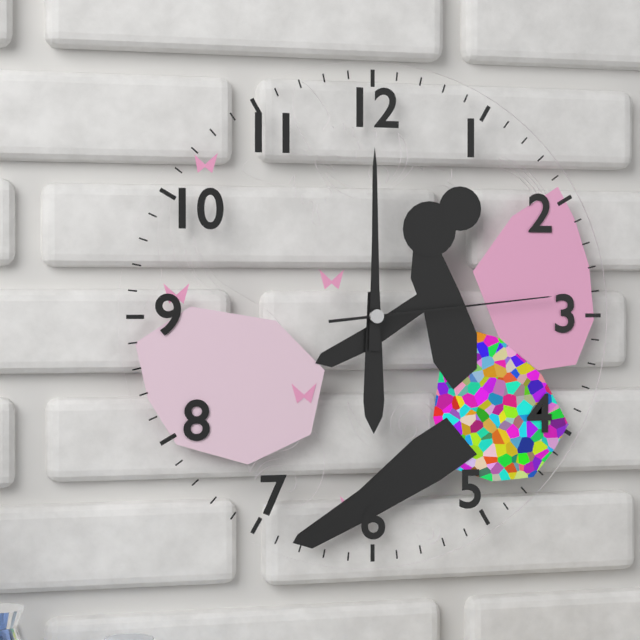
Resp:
**6:00:14**
